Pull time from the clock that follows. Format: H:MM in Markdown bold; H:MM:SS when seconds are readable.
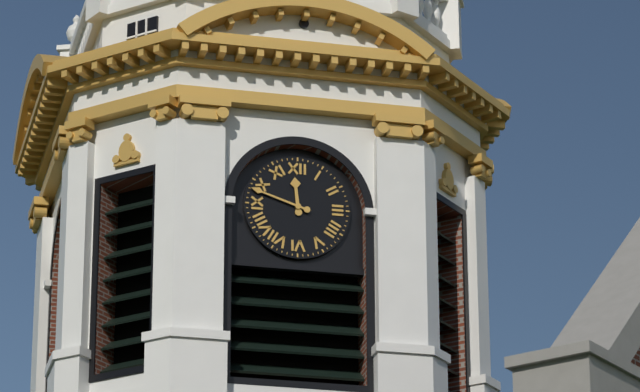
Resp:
**11:48**
